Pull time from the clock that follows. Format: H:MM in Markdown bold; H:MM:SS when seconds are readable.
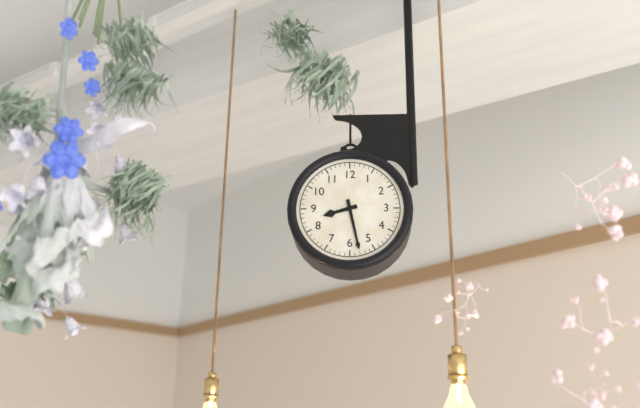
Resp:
**8:28**
